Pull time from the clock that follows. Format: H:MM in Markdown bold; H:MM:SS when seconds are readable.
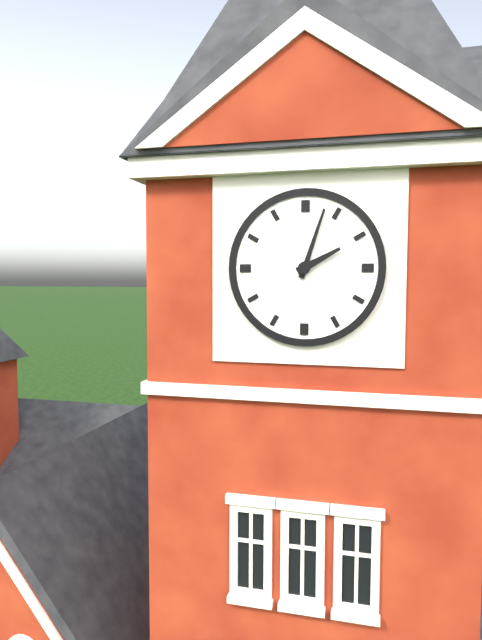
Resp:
**2:03**
